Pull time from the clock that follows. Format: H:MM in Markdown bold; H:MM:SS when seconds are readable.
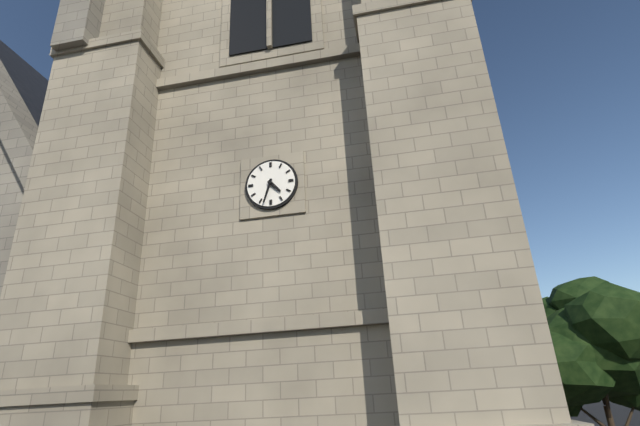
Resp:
**4:33**
